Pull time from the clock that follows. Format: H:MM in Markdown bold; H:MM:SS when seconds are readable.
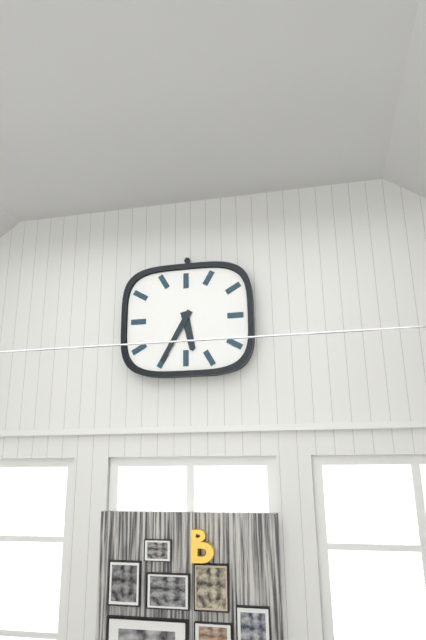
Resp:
**5:35**
